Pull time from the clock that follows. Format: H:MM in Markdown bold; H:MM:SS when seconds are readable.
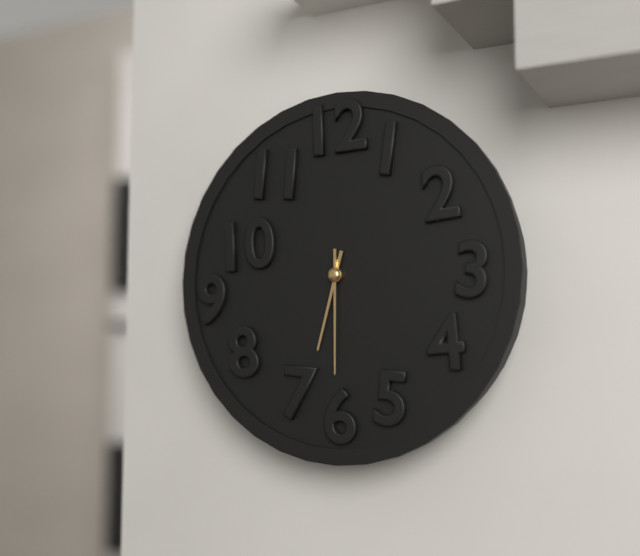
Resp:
**6:30**
